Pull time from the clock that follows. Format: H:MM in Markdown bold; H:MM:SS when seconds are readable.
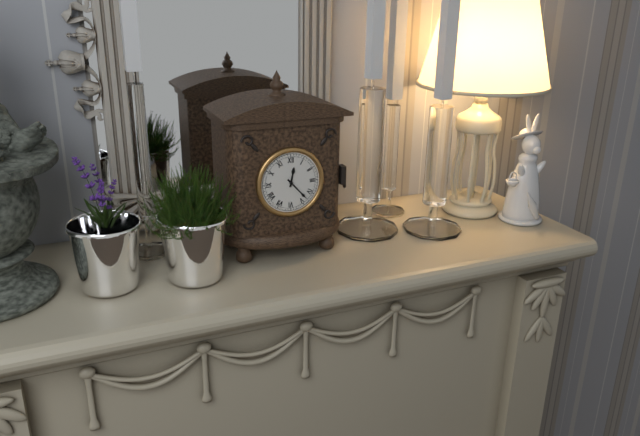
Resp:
**12:23**
